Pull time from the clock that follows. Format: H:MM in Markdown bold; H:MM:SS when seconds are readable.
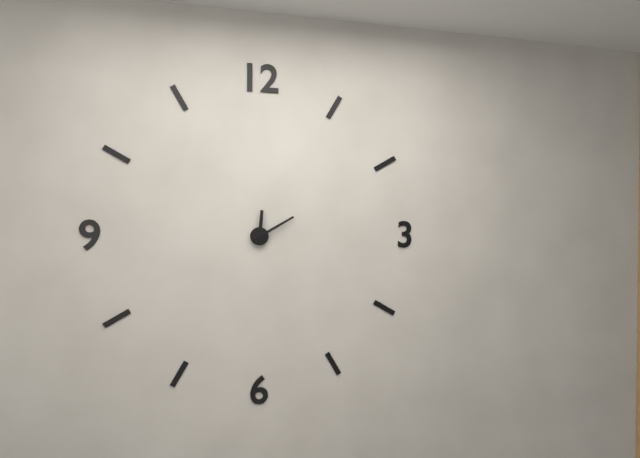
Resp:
**12:10**
